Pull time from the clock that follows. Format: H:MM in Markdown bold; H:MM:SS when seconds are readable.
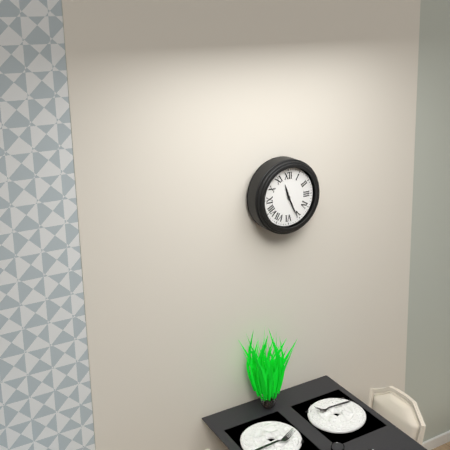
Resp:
**11:26**
